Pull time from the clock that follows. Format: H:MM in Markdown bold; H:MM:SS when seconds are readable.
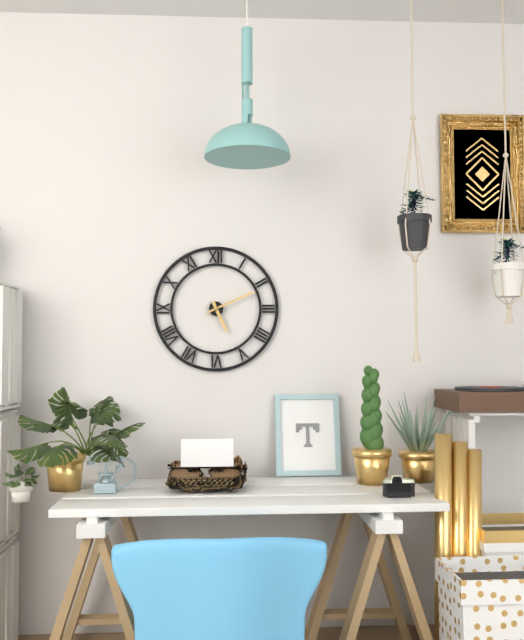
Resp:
**5:11**
